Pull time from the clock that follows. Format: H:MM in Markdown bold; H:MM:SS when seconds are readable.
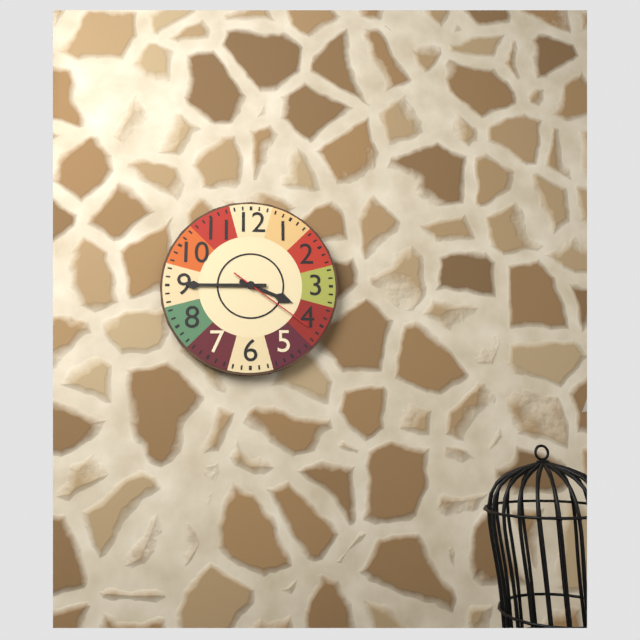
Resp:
**3:45:21**
